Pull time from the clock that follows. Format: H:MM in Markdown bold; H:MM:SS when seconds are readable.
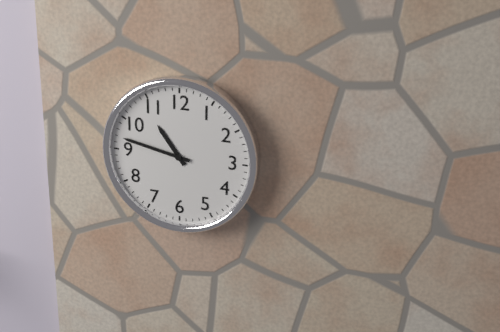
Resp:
**10:47**
